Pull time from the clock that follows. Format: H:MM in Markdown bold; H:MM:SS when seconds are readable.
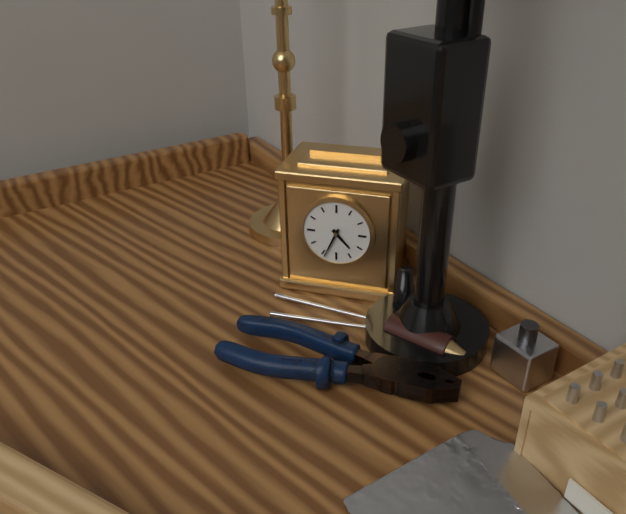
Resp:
**4:34**
